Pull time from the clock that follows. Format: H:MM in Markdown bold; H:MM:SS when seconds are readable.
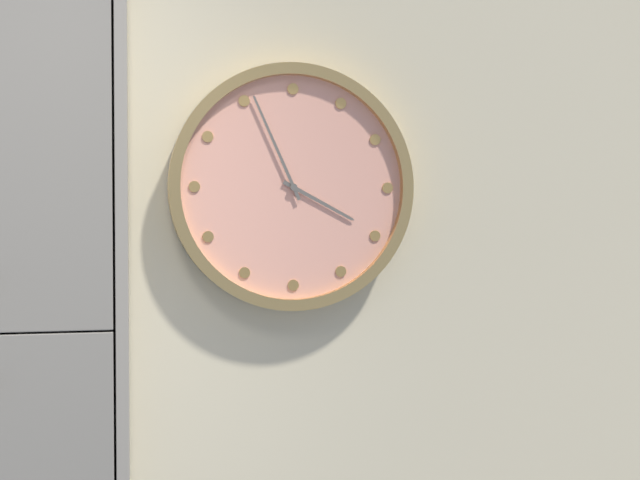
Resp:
**3:56**
